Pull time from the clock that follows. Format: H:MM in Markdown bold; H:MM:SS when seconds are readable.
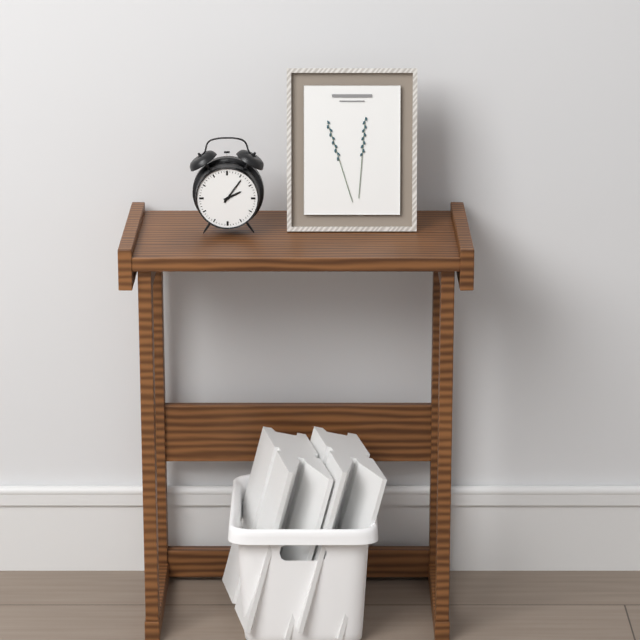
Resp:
**2:06**
